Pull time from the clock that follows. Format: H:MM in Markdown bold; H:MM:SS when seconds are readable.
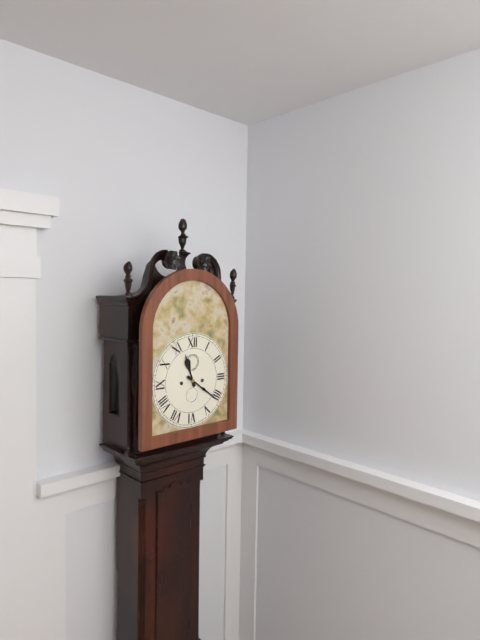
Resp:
**11:21**
